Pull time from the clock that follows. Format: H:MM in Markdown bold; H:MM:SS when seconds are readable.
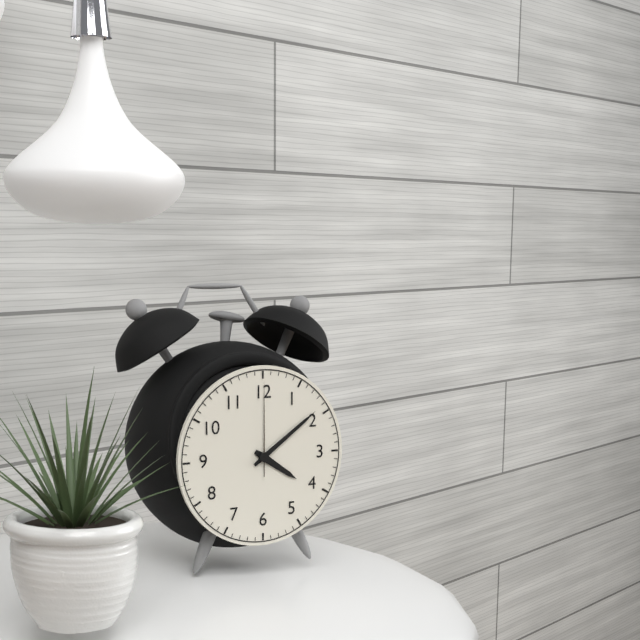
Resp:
**4:09:00**
